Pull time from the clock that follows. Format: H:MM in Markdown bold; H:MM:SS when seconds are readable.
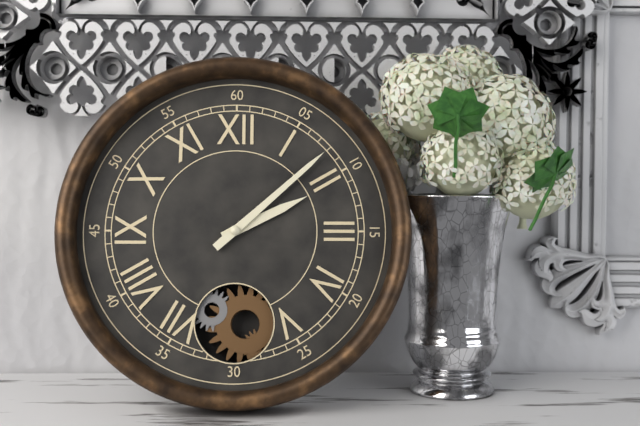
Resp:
**2:08**
